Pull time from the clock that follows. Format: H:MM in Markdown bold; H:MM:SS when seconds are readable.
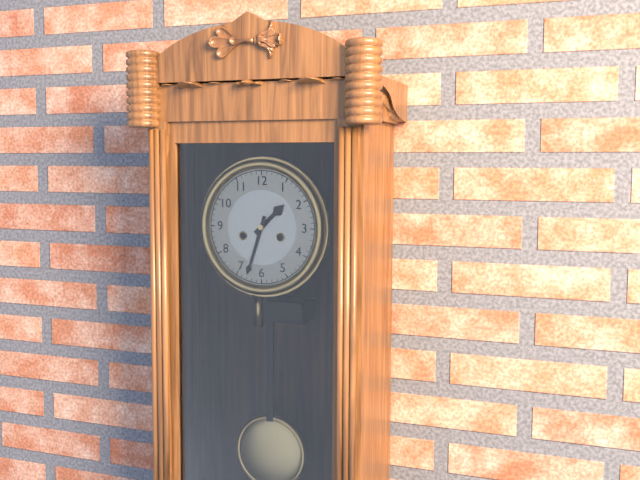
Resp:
**1:33**
